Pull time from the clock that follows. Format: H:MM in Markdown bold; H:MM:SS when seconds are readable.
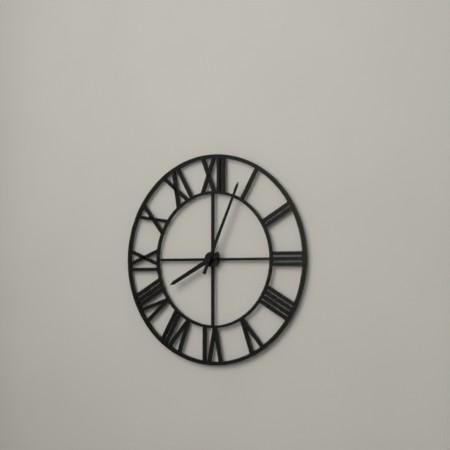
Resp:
**8:04**
